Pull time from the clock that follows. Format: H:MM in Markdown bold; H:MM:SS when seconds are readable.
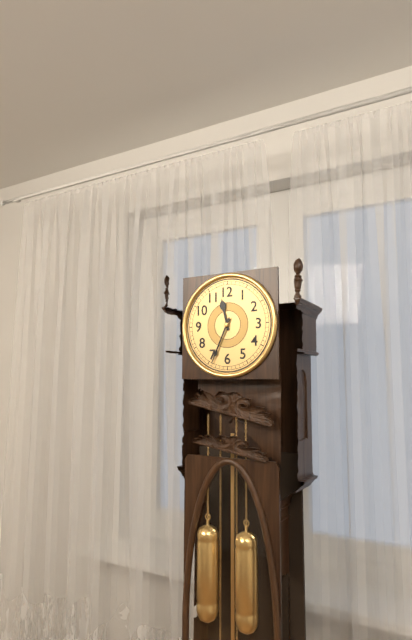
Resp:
**11:34**
